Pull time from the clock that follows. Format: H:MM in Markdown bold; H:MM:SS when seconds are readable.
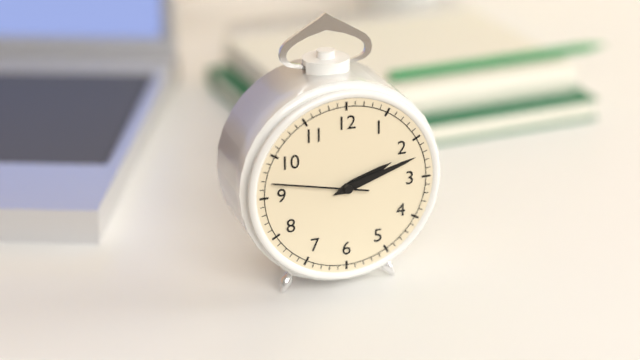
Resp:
**2:12:47**
